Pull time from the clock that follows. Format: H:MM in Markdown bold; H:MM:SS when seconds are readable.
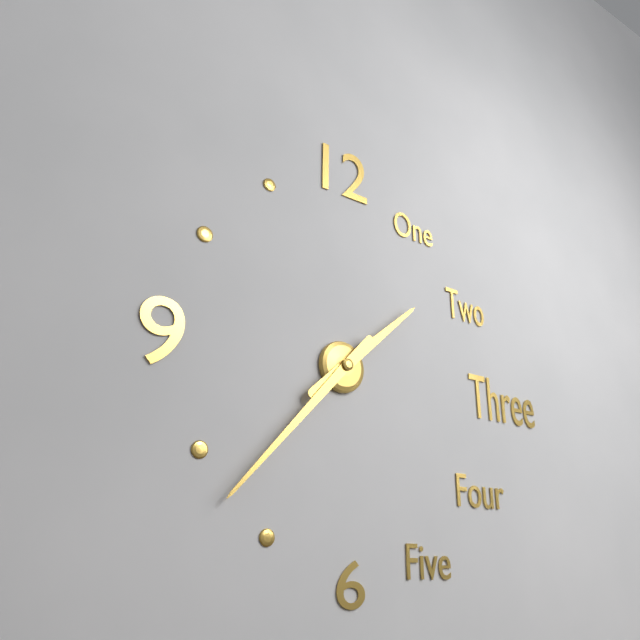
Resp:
**1:37**
